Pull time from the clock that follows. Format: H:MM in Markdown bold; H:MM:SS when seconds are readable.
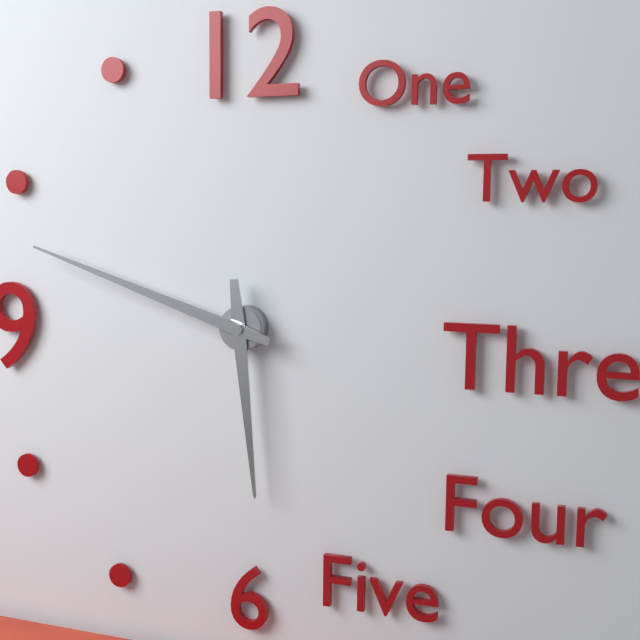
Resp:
**5:48**
